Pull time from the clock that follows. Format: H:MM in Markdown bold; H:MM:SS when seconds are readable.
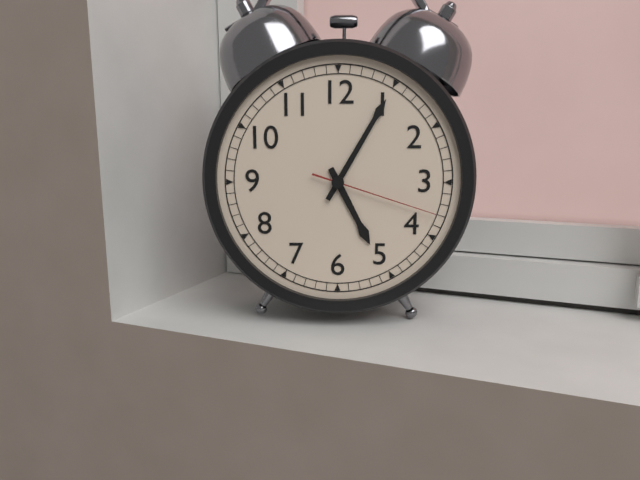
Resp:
**5:05:18**
